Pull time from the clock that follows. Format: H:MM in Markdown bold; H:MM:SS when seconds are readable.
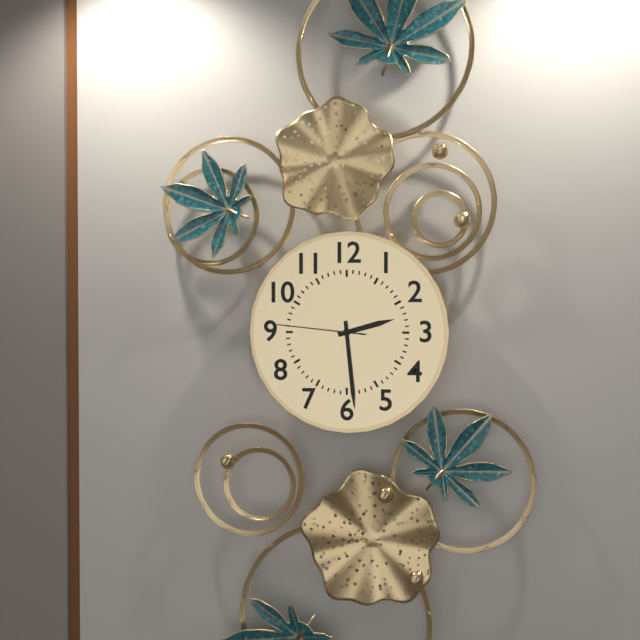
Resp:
**2:29:46**
